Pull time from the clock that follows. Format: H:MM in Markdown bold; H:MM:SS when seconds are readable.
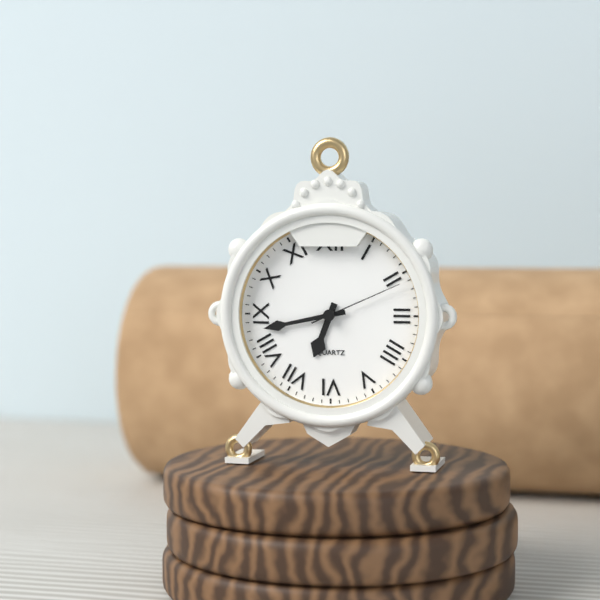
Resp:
**6:43:11**
